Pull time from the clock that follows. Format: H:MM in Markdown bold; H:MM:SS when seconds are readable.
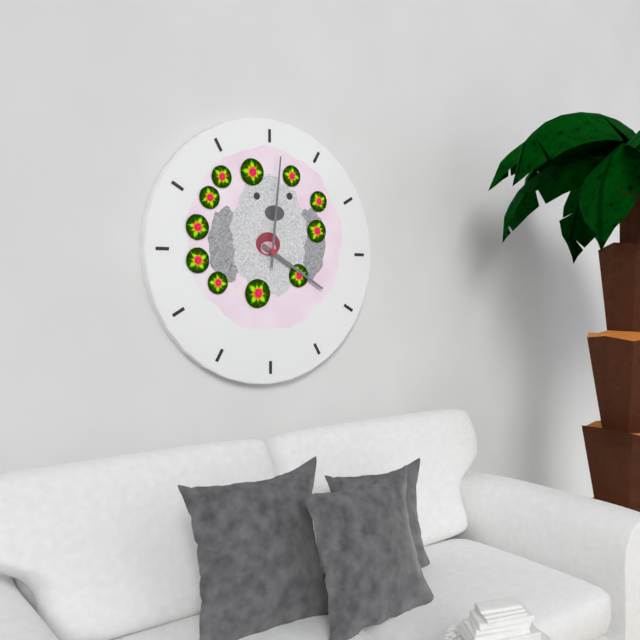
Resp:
**4:01**
